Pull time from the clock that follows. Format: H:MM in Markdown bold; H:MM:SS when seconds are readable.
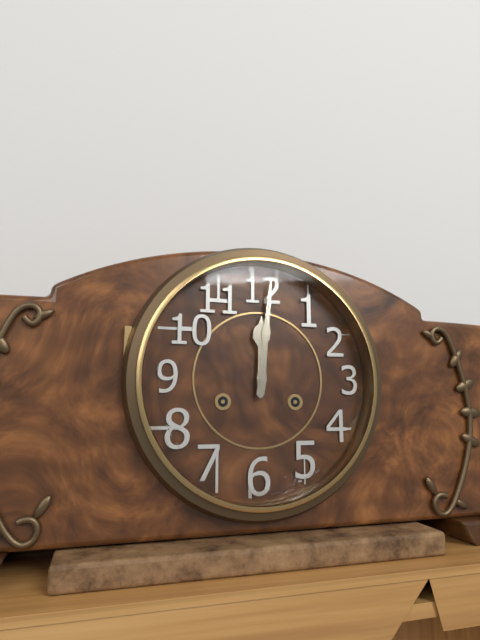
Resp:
**12:01**
